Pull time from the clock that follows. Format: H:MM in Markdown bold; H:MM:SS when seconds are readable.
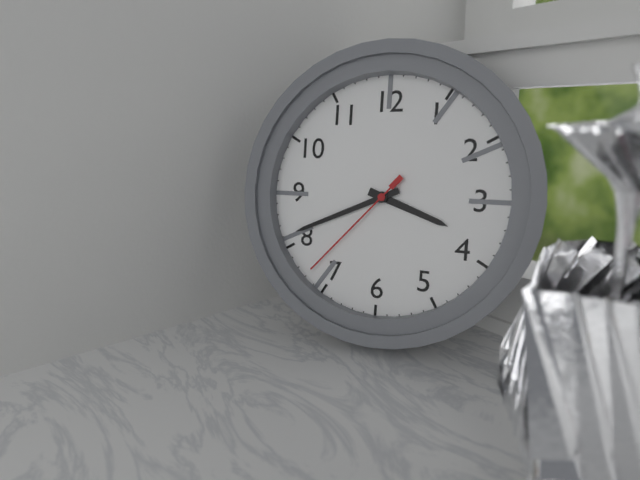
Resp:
**3:41:37**
